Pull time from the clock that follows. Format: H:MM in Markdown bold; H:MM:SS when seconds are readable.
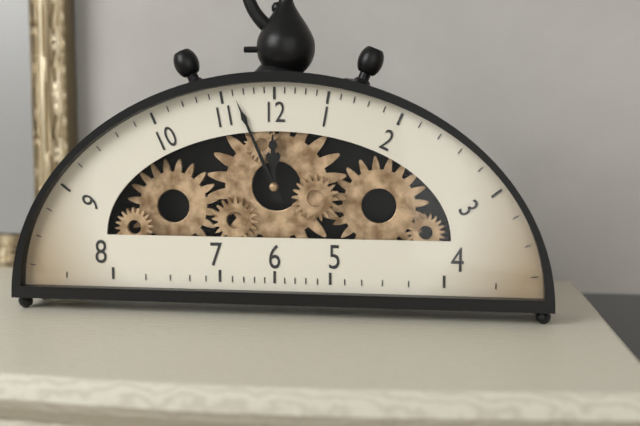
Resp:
**11:56**
